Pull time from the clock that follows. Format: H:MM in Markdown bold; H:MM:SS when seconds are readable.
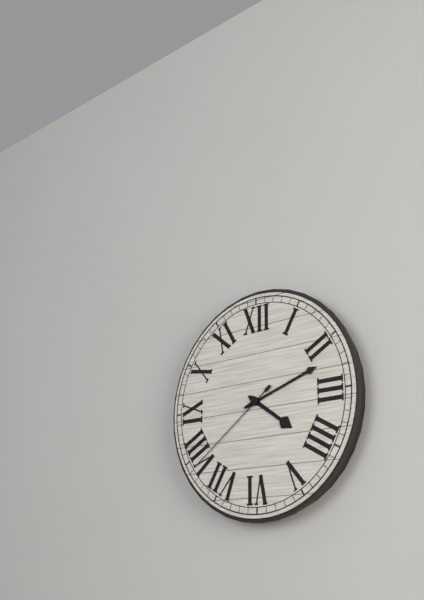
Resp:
**4:12:39**
